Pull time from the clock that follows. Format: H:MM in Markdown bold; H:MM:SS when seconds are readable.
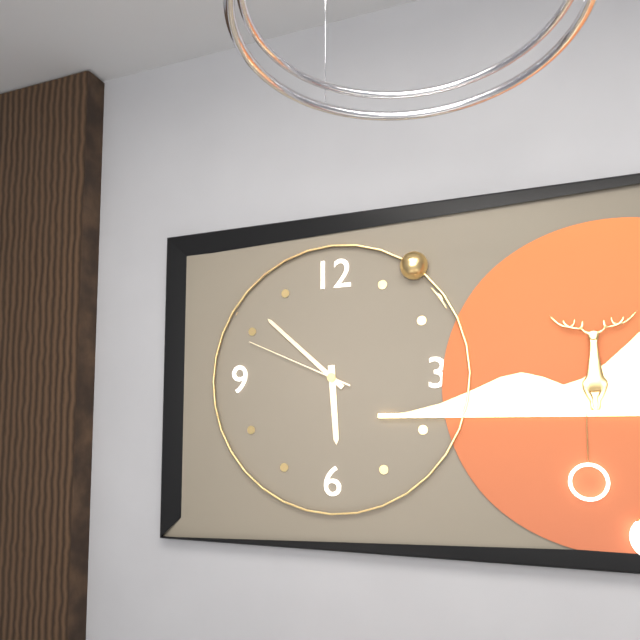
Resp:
**5:52:49**
